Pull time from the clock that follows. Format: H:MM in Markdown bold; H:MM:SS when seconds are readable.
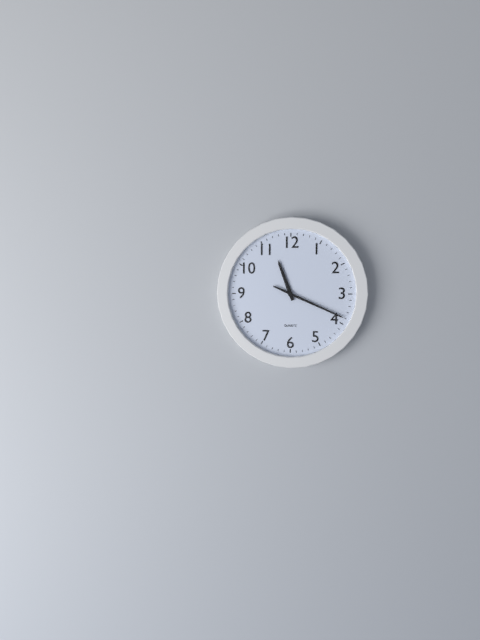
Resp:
**11:19**
